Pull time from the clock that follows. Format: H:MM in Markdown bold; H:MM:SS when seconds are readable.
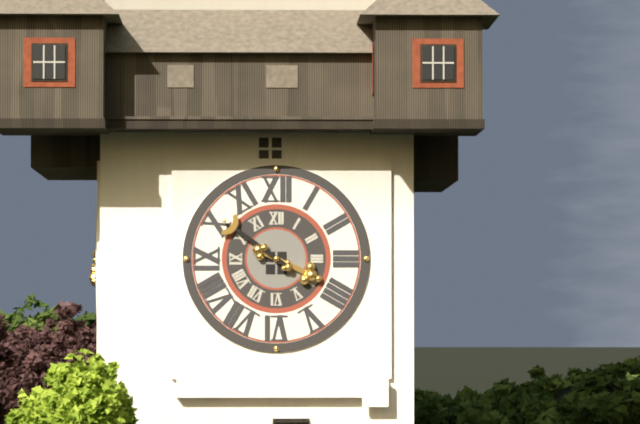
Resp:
**3:51**
